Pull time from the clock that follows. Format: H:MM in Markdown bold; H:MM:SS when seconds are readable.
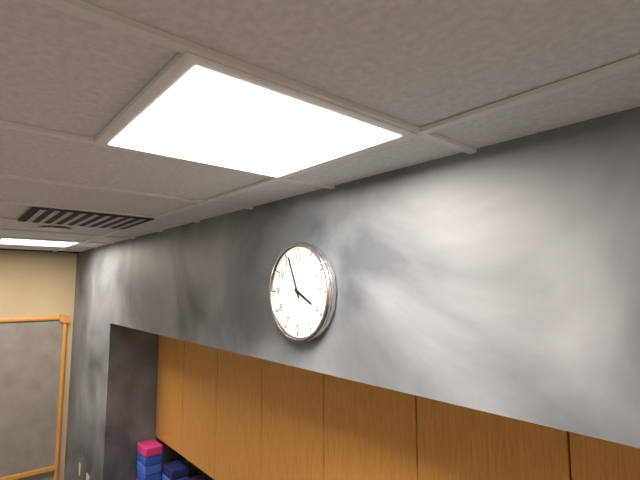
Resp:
**3:56**
